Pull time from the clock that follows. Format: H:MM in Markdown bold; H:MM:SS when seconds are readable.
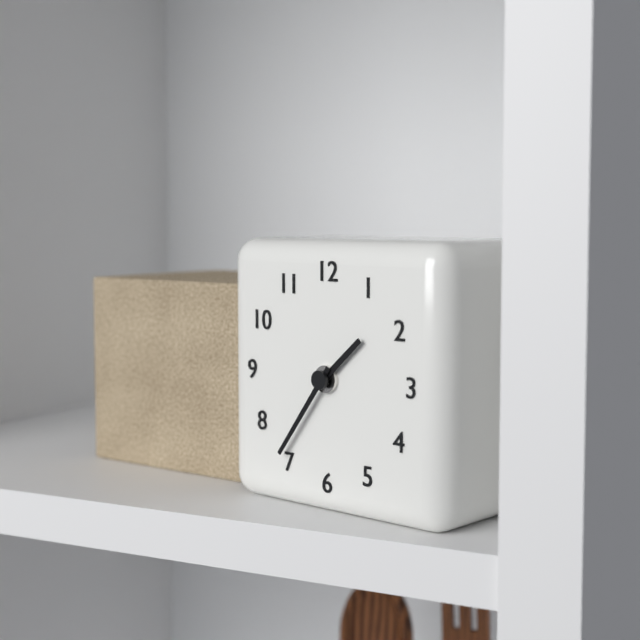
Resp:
**1:36**
